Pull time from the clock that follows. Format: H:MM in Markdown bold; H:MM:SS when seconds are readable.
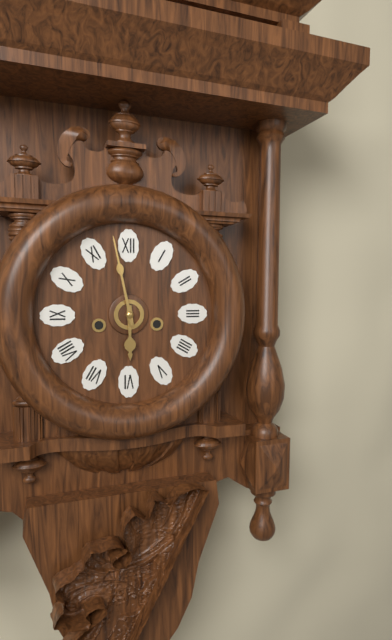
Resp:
**5:58**
